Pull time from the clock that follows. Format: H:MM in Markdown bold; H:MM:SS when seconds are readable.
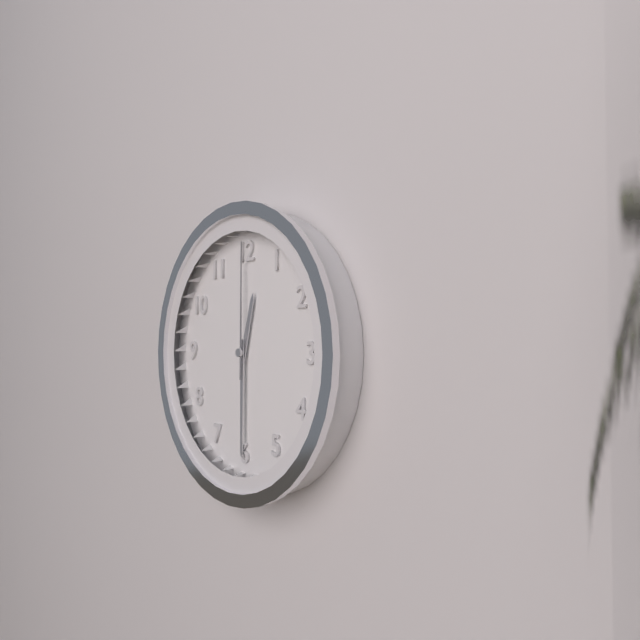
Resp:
**12:30:00**
